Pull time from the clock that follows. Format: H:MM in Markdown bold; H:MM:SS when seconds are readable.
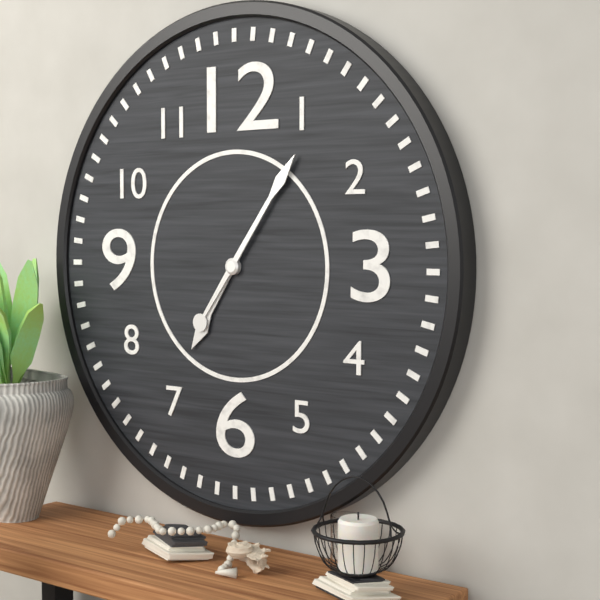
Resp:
**7:06**
